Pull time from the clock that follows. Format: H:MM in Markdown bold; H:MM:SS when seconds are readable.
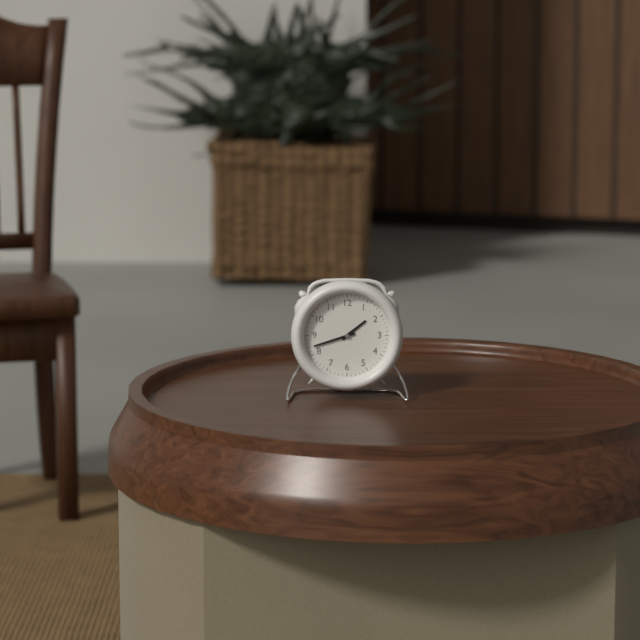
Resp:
**1:42**
